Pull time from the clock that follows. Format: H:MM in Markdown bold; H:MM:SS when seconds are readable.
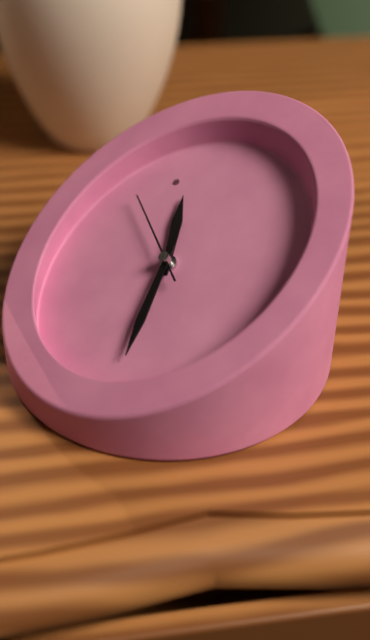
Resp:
**1:40:03**
